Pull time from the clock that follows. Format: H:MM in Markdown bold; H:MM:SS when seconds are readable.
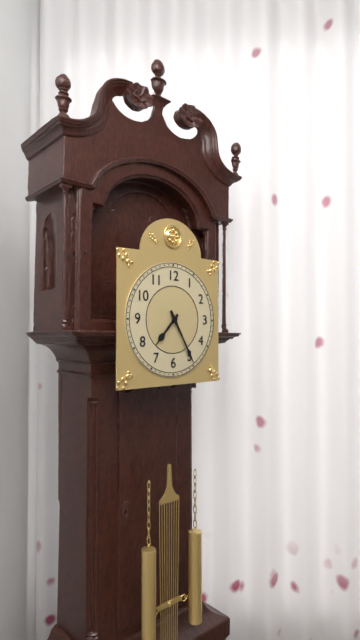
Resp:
**7:25**
